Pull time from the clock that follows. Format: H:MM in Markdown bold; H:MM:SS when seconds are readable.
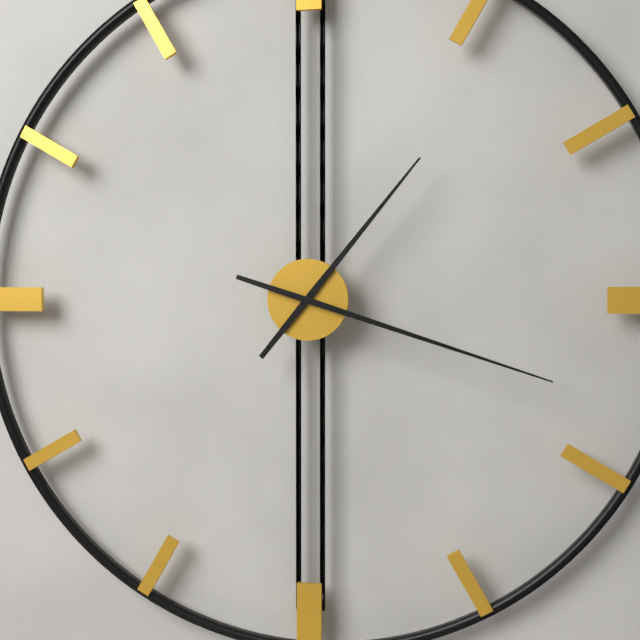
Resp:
**1:18**
